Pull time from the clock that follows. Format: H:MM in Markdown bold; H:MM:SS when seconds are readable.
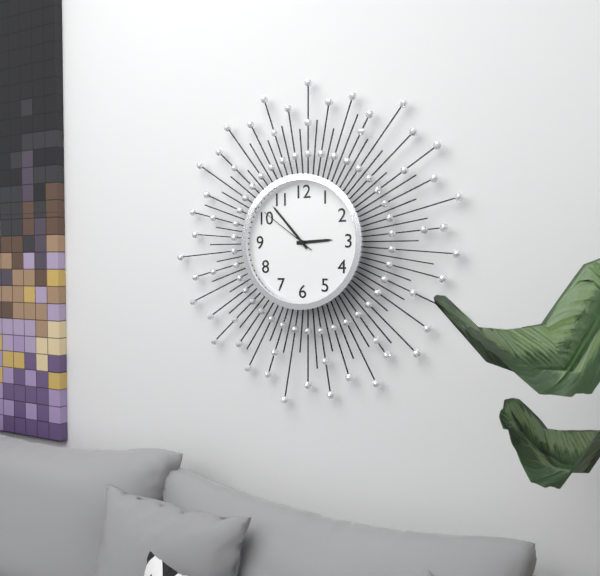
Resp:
**2:53:51**
